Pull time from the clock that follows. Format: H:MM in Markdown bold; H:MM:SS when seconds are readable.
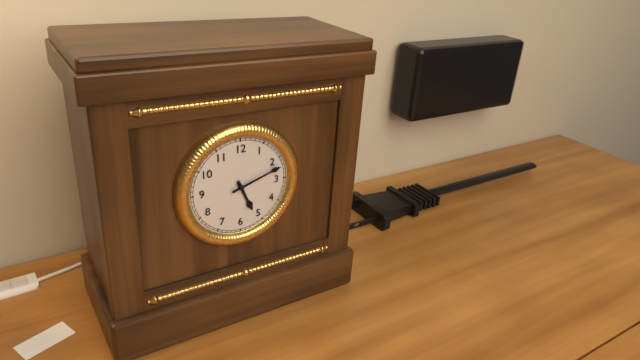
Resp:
**5:12**
